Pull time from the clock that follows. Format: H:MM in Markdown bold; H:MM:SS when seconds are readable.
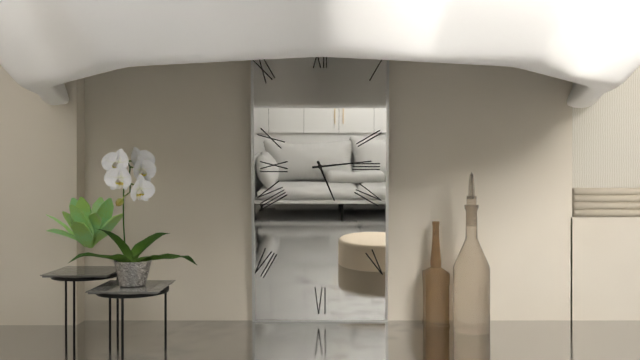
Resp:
**5:14**
